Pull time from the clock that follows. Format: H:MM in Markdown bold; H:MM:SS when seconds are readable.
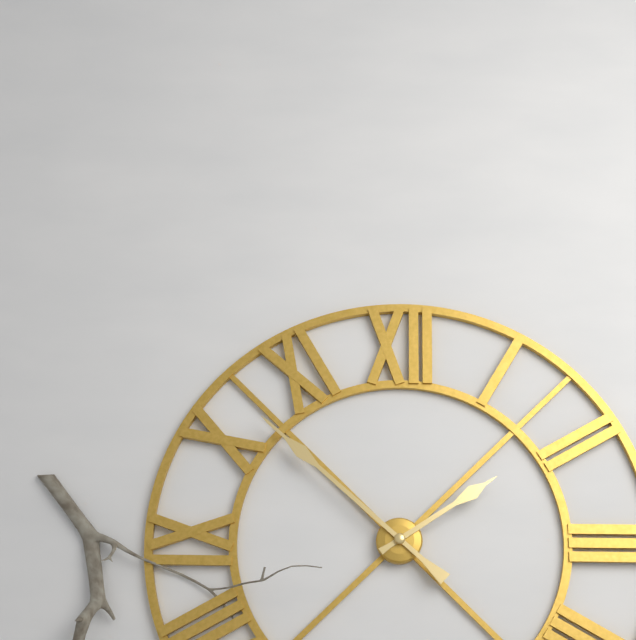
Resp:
**1:52**
